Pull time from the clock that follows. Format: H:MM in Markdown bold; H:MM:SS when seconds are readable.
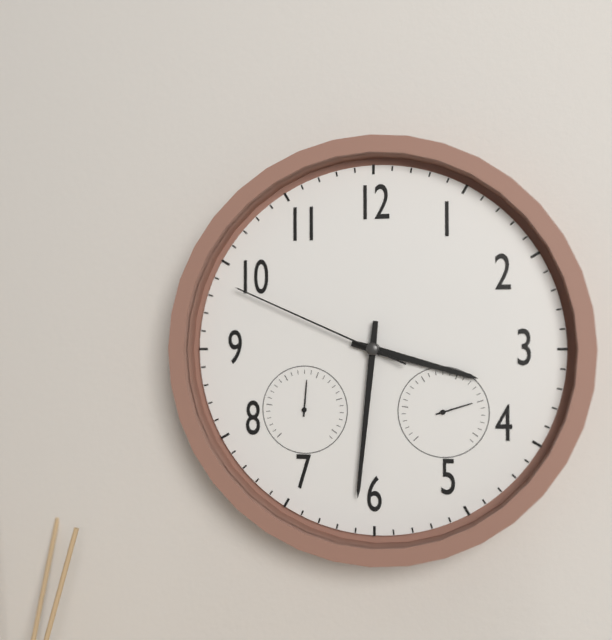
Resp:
**3:31:49**
